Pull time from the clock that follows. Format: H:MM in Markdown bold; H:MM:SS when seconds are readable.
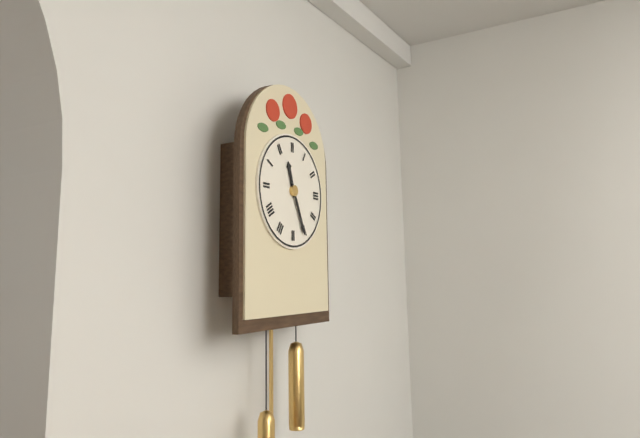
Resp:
**11:26**
